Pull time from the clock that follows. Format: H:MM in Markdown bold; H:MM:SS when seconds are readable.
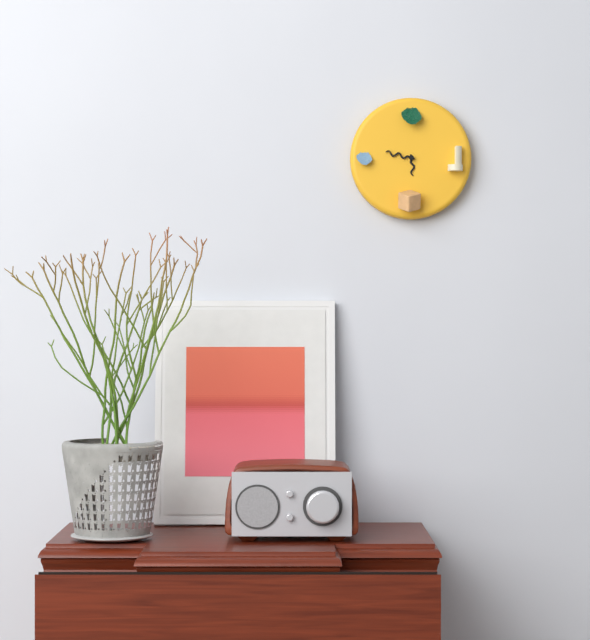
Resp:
**5:47**
